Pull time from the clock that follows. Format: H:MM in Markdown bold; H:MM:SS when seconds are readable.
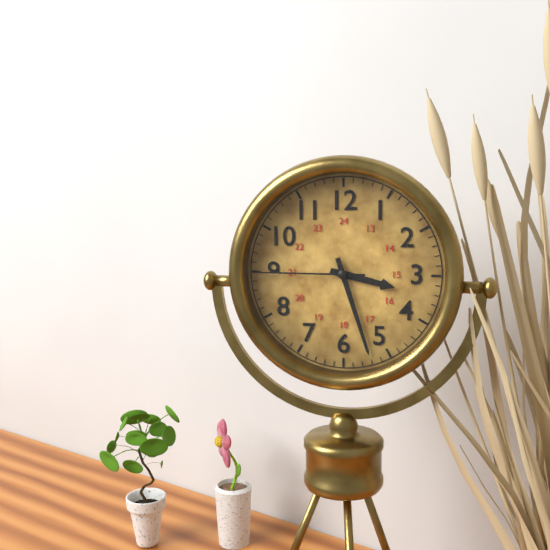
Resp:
**3:27:45**
